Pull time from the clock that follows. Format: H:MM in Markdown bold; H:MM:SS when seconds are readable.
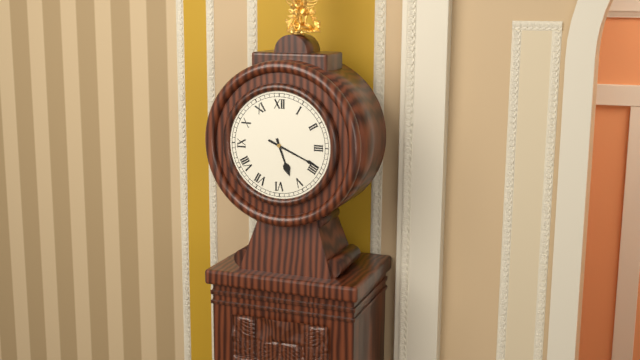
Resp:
**5:19**
